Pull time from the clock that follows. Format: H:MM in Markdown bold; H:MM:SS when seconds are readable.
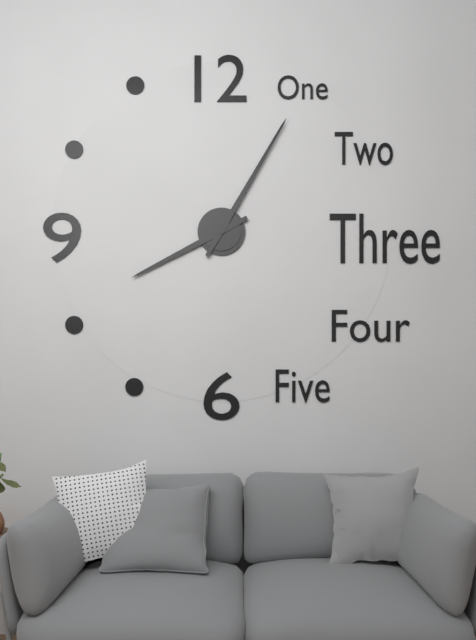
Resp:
**8:05**
